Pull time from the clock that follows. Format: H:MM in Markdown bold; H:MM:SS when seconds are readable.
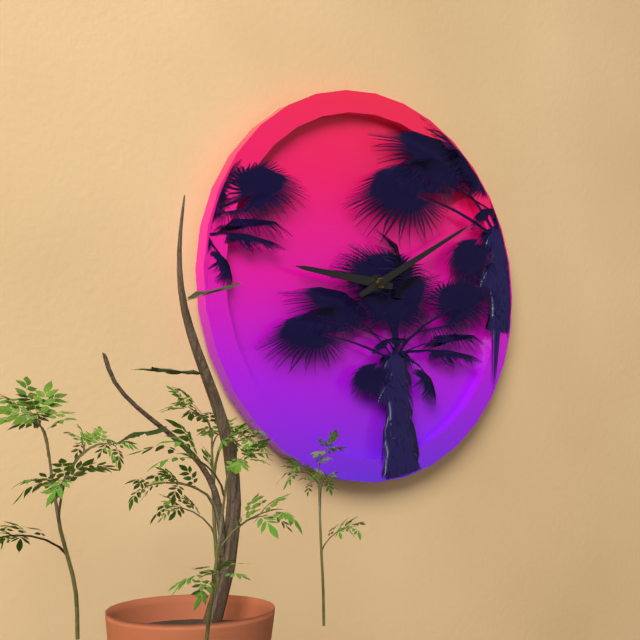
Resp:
**9:10**
